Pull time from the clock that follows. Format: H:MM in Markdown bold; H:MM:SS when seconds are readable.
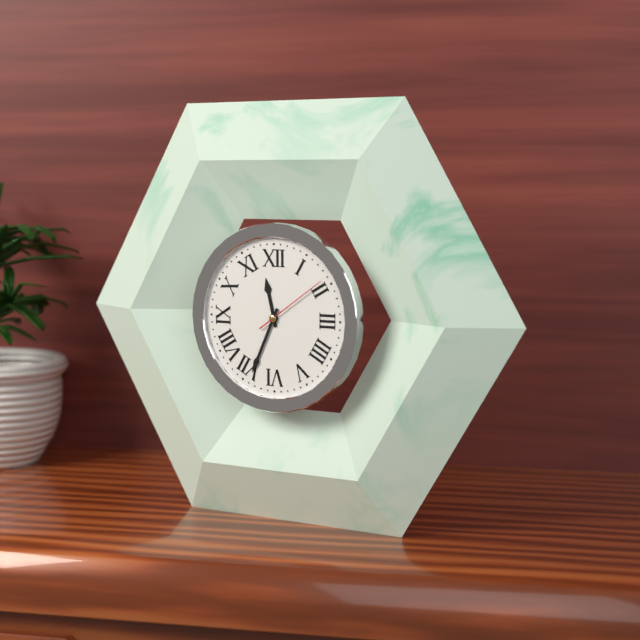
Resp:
**11:34:09**
